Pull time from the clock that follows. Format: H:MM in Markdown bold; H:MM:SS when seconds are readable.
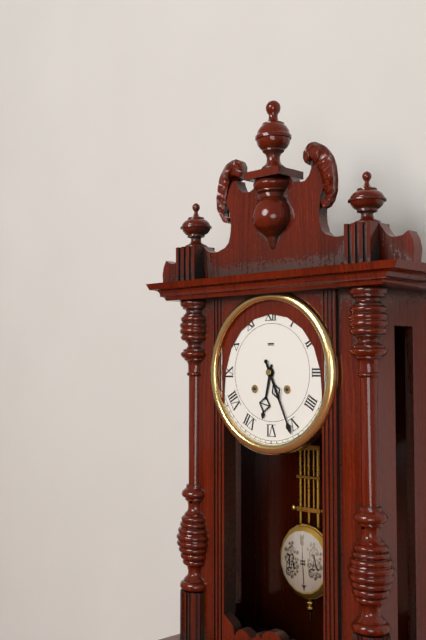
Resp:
**6:26**
